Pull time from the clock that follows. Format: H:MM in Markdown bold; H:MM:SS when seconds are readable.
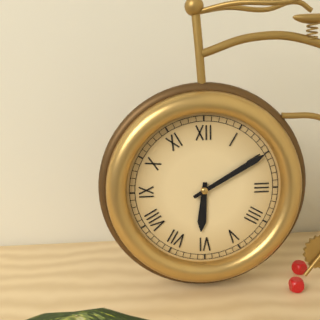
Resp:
**6:10**
